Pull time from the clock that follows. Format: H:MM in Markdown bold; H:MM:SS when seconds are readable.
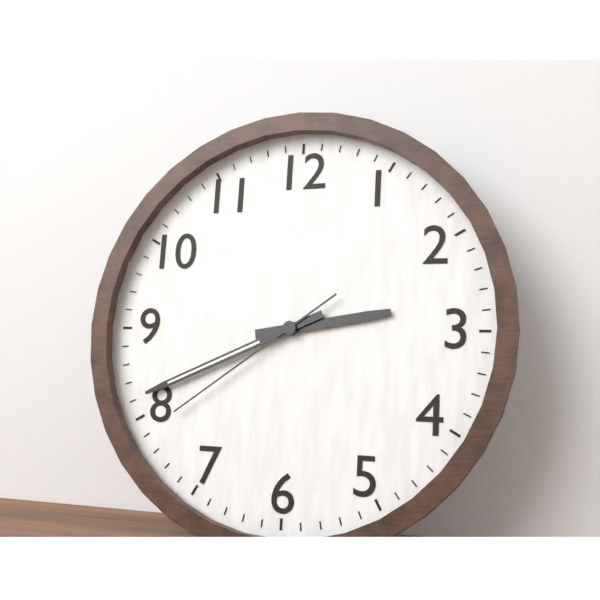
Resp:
**2:41:39**
